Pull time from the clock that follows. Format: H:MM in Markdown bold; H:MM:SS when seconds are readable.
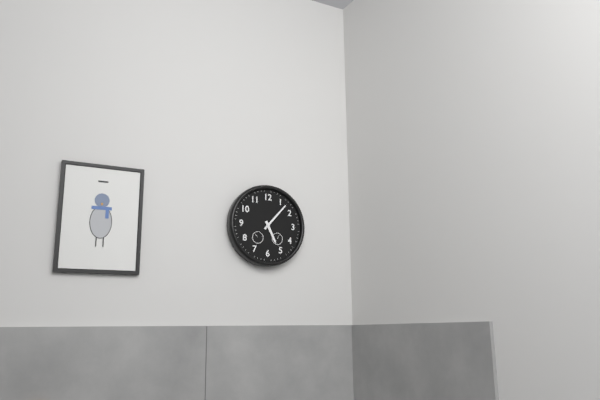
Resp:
**5:07**
